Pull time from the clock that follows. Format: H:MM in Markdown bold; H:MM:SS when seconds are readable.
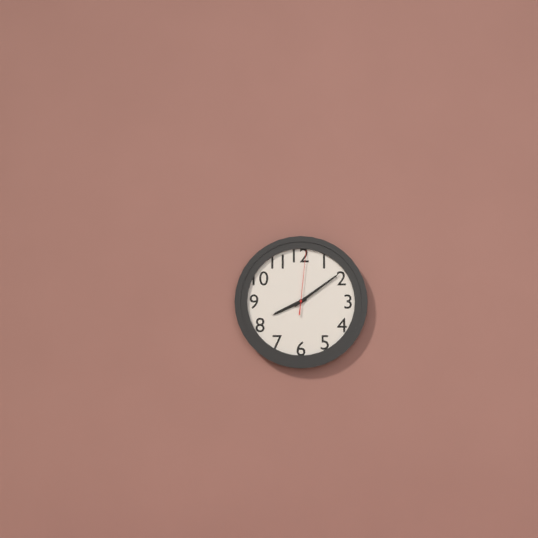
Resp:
**8:09:01**
